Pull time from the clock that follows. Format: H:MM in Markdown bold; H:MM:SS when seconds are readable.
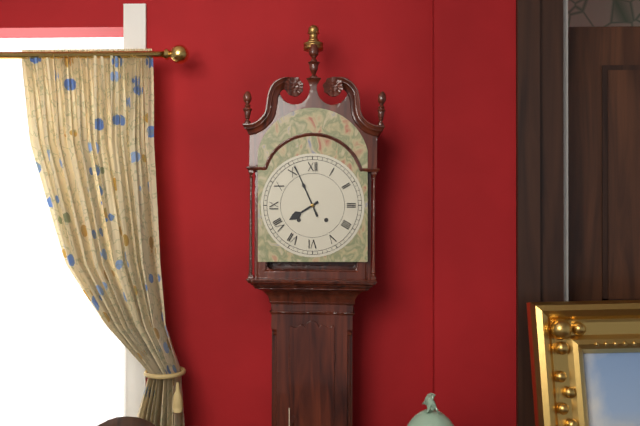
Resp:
**7:56**
